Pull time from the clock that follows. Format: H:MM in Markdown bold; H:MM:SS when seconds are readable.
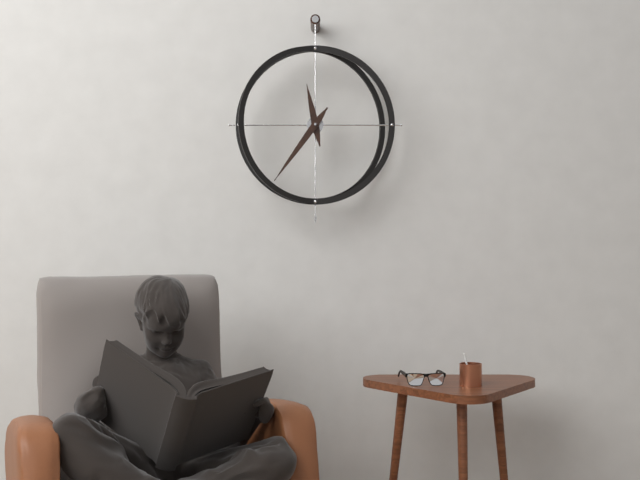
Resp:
**11:36**
